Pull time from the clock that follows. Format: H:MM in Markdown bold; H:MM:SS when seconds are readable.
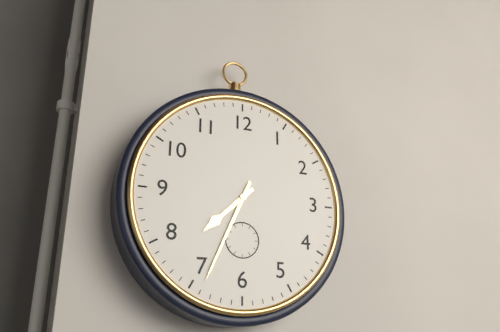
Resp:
**7:34**
